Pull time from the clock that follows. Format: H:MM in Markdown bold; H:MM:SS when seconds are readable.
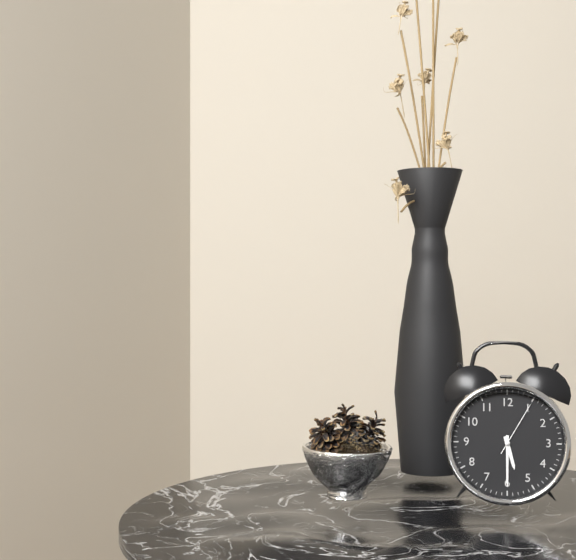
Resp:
**5:30:05**
